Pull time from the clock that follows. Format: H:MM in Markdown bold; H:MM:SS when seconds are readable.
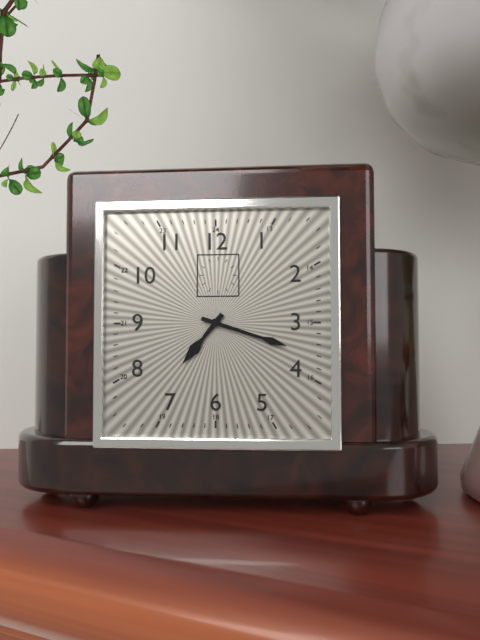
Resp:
**7:18**
